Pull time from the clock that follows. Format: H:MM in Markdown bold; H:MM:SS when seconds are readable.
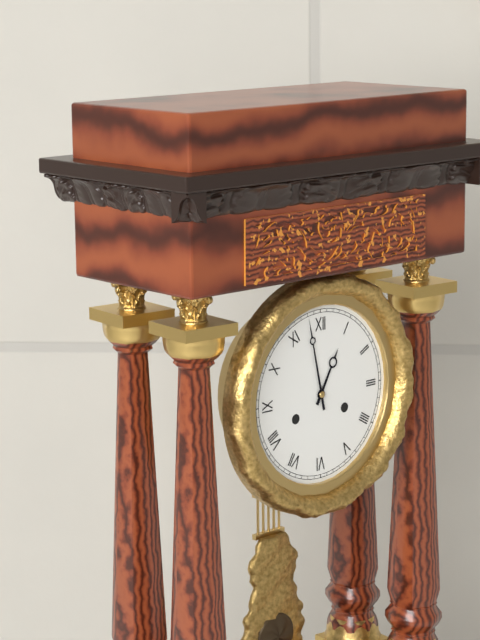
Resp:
**12:58**
